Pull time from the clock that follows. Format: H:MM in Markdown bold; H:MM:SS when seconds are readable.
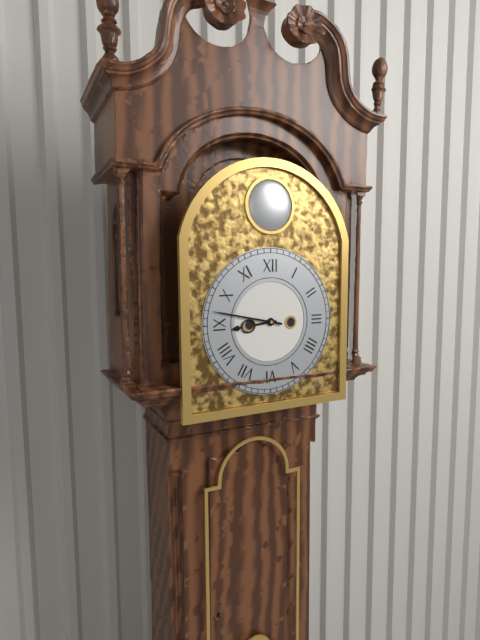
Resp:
**8:47**
